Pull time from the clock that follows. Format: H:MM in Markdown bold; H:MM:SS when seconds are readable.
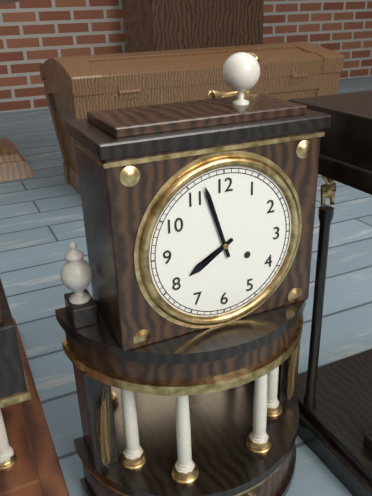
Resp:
**7:57**
